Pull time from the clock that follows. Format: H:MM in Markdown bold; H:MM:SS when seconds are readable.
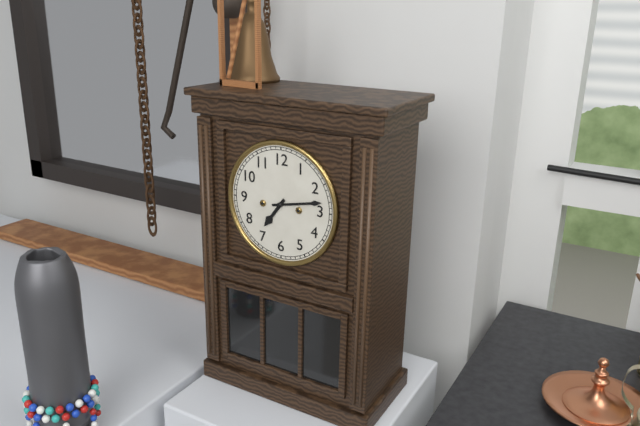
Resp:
**7:13**
